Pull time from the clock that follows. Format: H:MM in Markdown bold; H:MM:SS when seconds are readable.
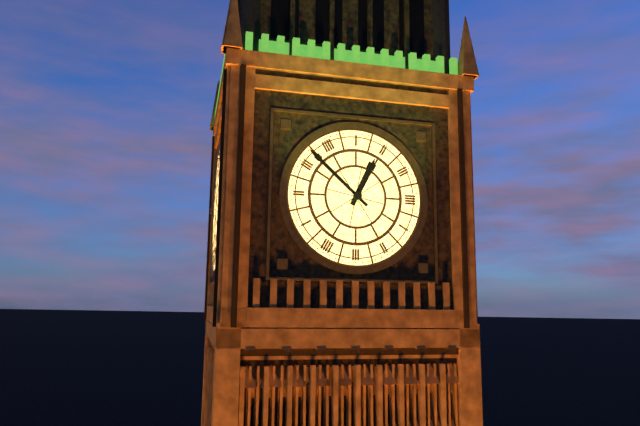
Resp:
**12:52**
